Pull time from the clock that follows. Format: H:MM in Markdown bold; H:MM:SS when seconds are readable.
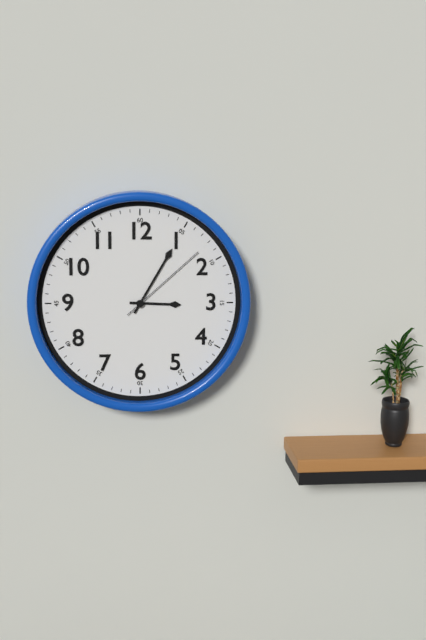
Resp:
**3:05:08**
